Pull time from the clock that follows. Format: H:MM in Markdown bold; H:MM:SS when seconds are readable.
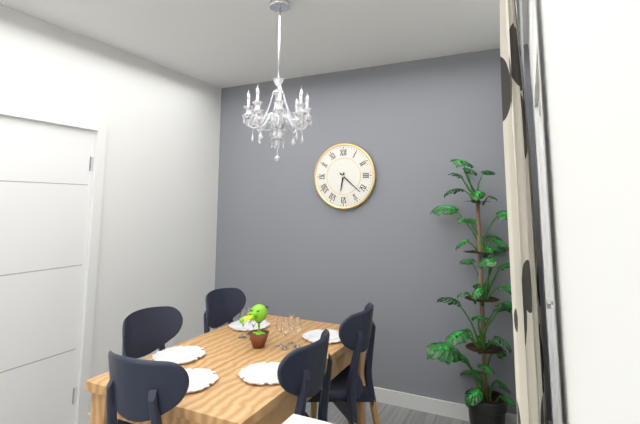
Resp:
**6:22**
